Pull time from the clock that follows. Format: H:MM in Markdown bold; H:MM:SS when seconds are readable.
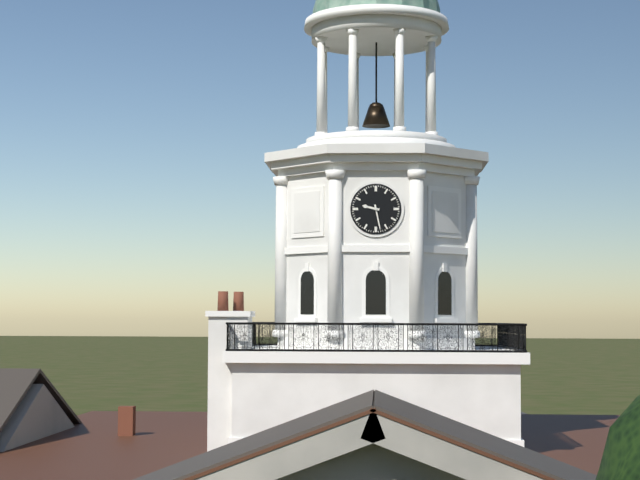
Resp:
**9:28**
